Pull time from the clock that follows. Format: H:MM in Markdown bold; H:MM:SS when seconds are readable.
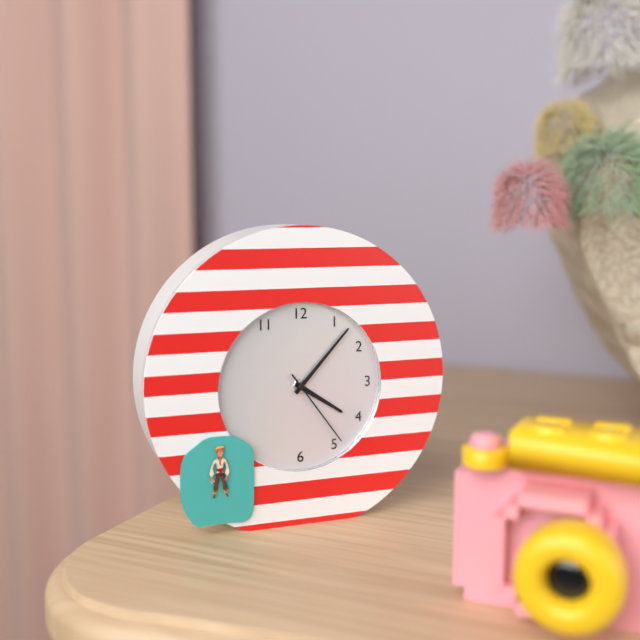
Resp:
**4:07:24**
